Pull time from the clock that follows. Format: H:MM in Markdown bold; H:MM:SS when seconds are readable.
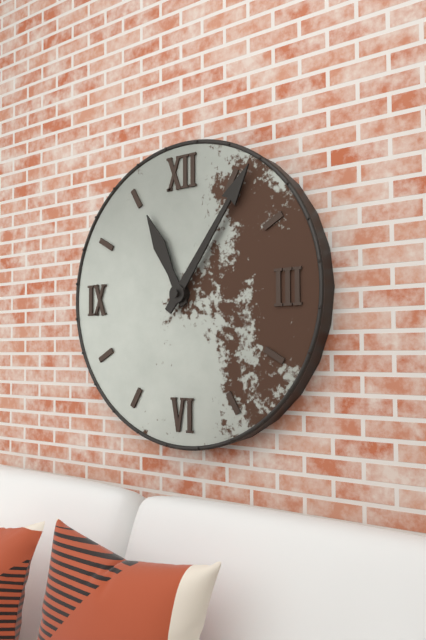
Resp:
**11:06**
